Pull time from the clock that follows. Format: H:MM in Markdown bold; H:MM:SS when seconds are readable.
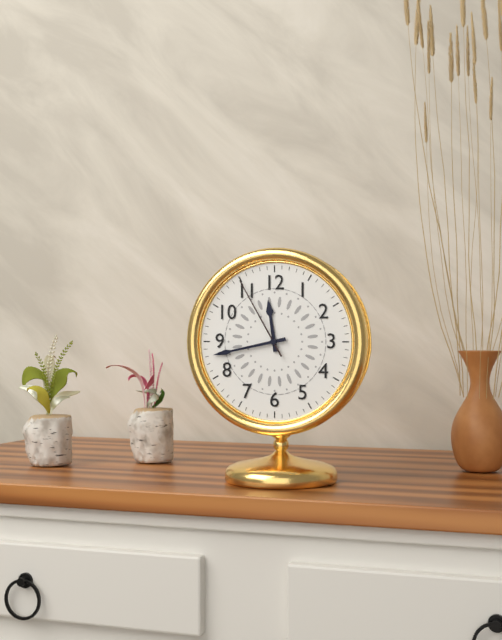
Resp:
**11:43:55**
